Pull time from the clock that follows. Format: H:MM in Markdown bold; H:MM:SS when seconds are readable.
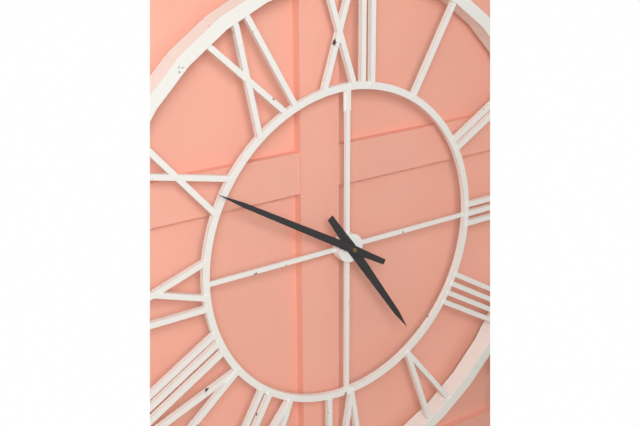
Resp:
**4:50**
